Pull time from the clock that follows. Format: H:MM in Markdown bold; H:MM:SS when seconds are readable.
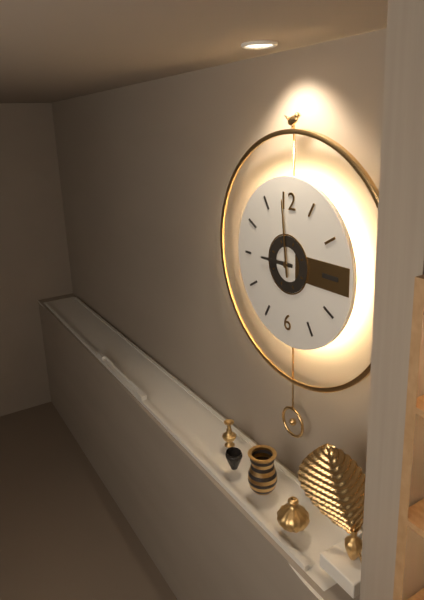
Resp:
**8:59**
